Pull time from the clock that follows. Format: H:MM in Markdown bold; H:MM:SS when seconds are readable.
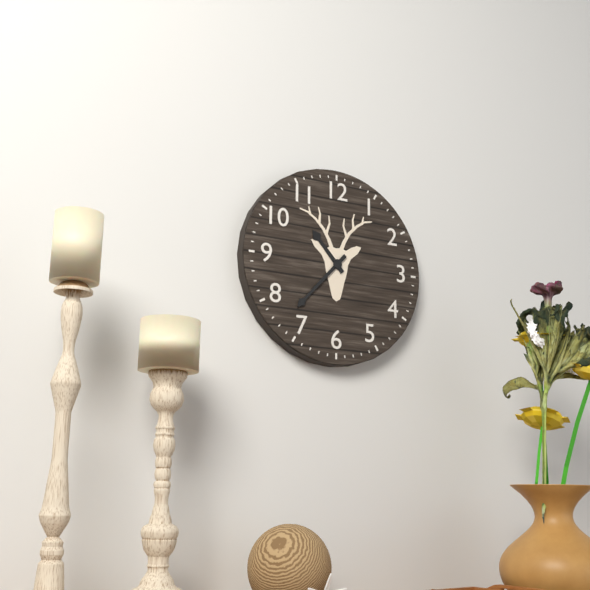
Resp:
**10:37**
